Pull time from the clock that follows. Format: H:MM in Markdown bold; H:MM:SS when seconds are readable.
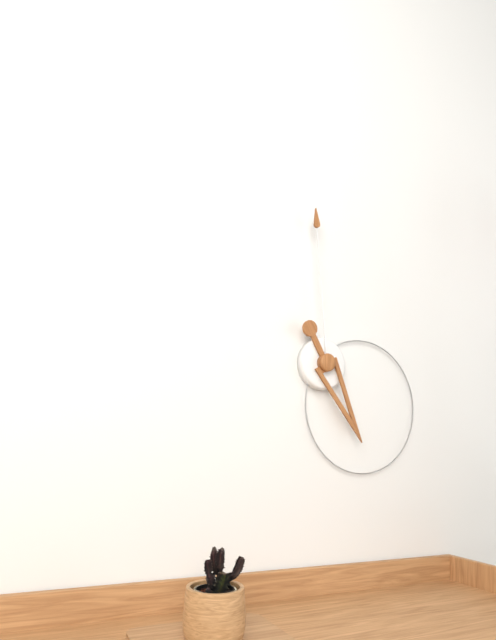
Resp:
**4:59**
